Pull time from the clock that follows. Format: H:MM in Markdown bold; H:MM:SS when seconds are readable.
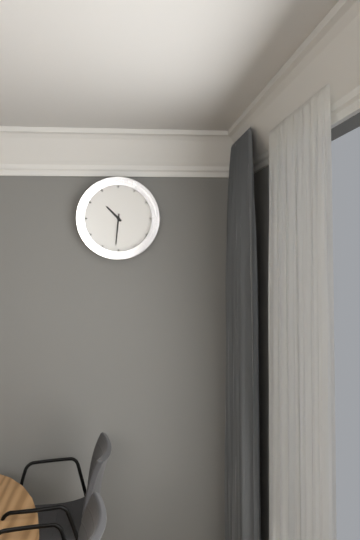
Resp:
**10:31**
